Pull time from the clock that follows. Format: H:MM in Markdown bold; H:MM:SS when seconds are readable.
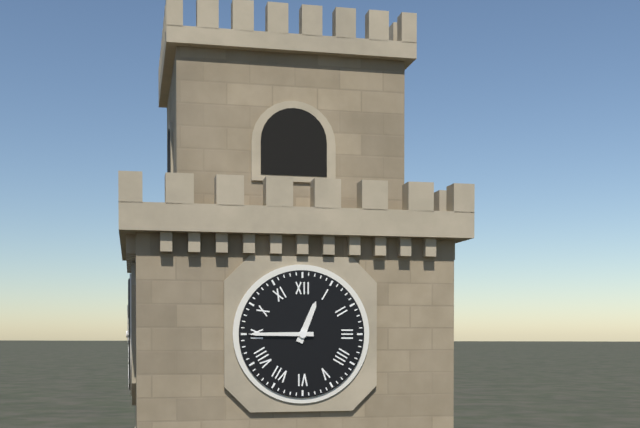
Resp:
**12:45**
